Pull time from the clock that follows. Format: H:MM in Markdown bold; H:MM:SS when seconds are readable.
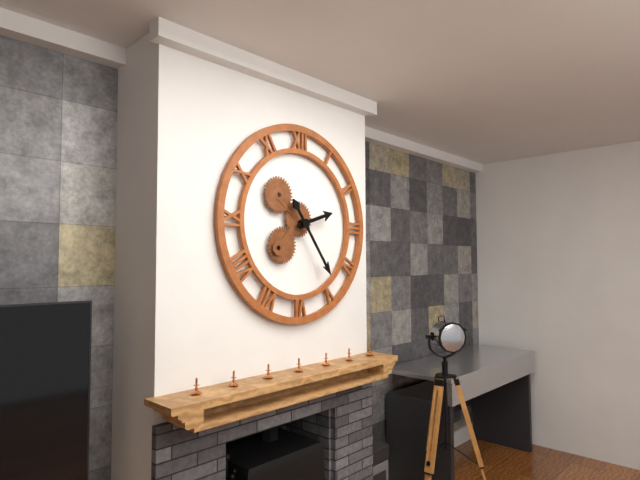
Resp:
**2:24**
